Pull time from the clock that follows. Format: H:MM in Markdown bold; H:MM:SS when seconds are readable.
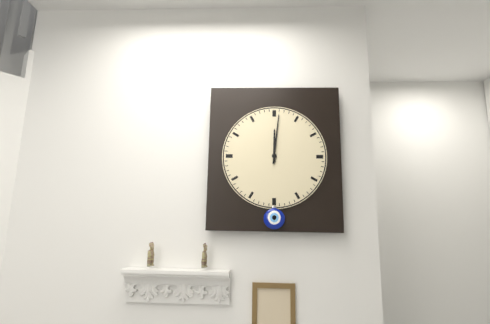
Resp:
**12:01**
